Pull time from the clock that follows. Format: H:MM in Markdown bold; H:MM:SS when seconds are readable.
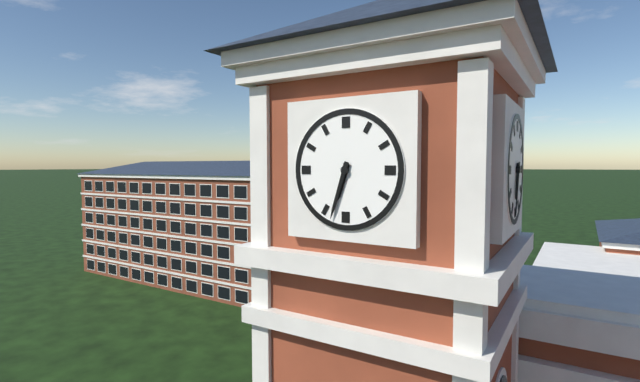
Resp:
**6:33**
